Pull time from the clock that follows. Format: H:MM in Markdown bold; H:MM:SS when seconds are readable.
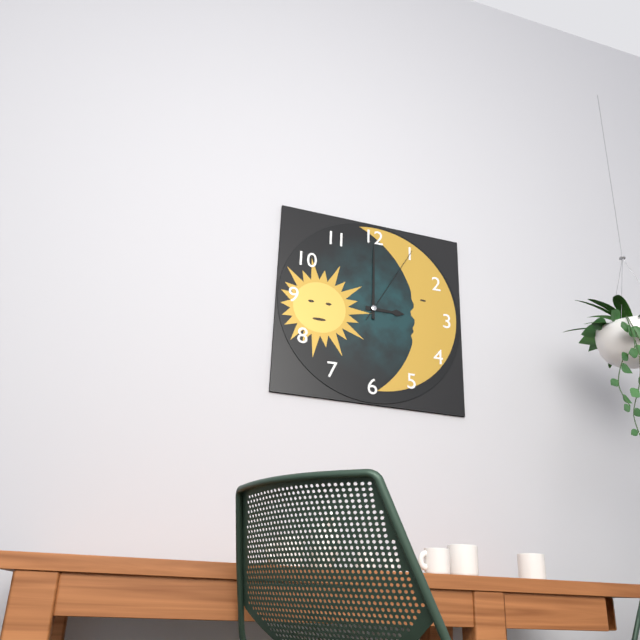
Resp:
**3:00:05**
